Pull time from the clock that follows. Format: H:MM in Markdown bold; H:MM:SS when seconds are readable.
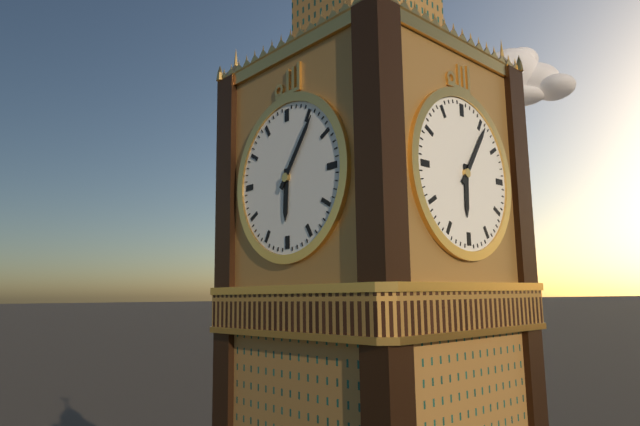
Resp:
**6:06**
